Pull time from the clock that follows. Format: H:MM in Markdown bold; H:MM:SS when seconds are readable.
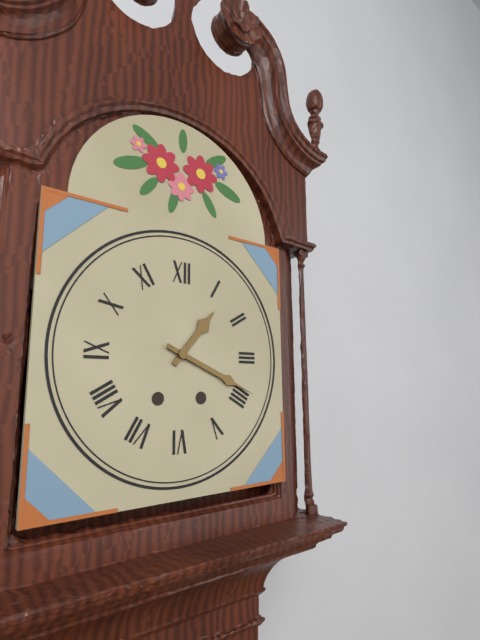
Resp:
**1:19**
